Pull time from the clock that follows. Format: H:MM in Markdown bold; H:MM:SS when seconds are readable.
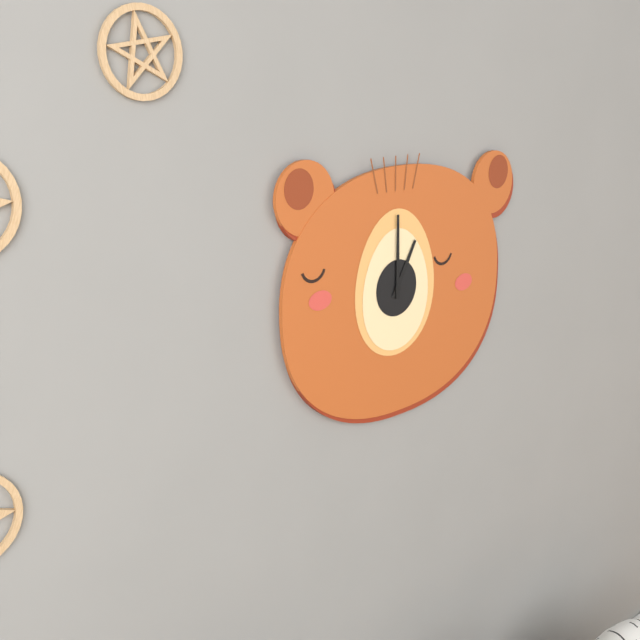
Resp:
**1:00**
